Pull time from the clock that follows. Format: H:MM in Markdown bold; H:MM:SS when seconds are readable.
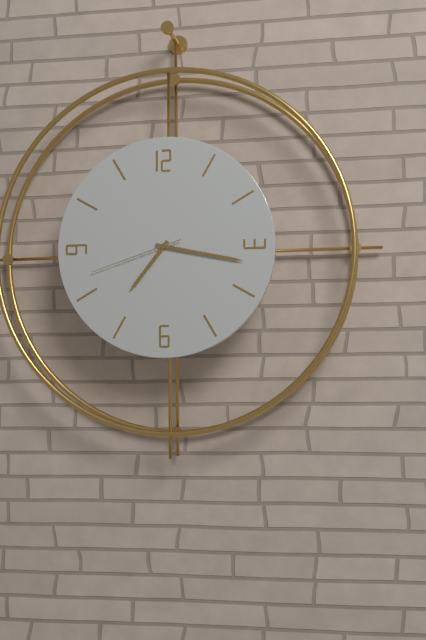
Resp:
**7:17:42**
